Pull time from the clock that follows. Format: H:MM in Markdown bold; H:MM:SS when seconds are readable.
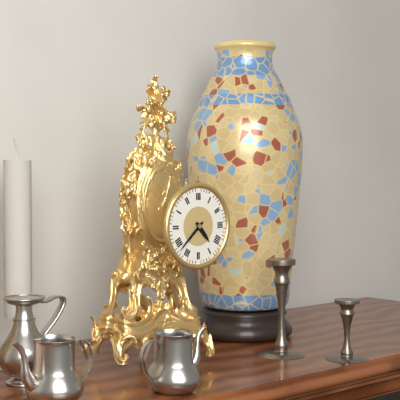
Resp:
**4:38**
